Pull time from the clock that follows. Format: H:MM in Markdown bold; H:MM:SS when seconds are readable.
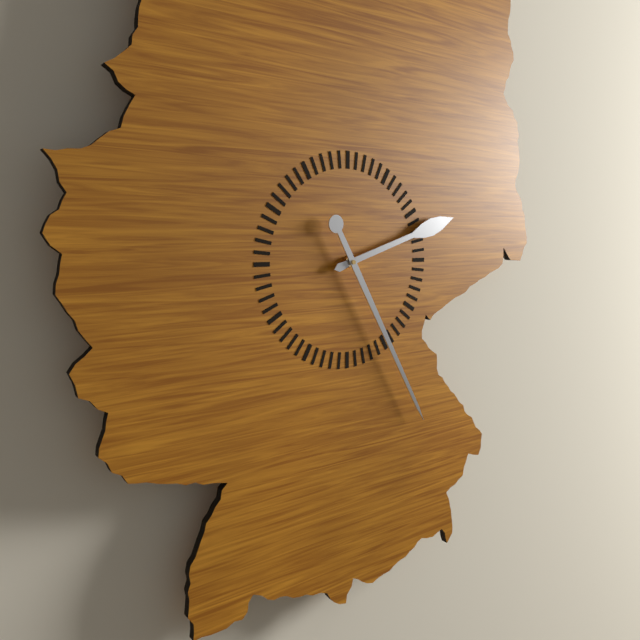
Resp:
**2:25**
